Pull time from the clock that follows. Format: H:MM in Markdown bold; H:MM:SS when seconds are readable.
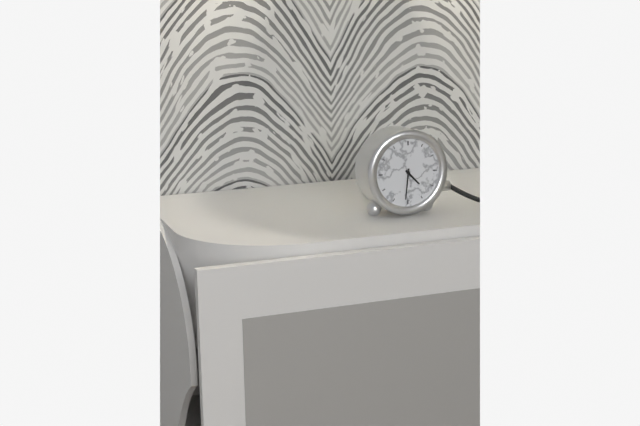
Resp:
**4:31**
